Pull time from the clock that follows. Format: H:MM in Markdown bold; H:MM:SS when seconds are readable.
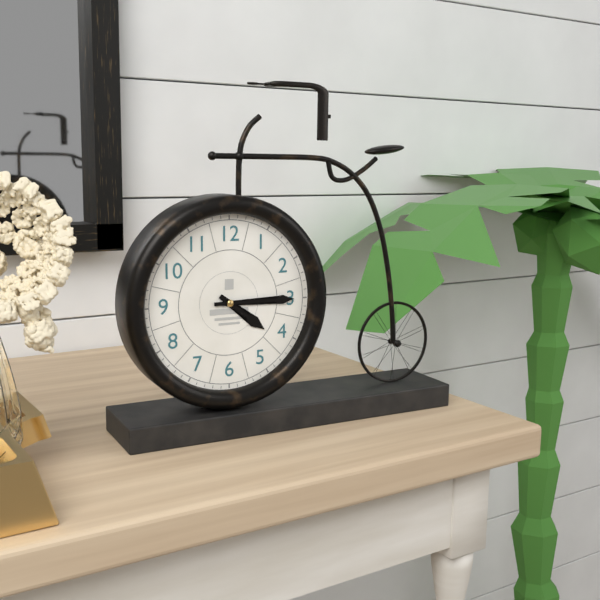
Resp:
**4:15**
